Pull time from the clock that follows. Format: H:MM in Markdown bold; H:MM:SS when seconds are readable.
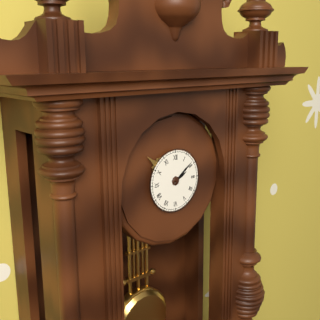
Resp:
**2:09**
